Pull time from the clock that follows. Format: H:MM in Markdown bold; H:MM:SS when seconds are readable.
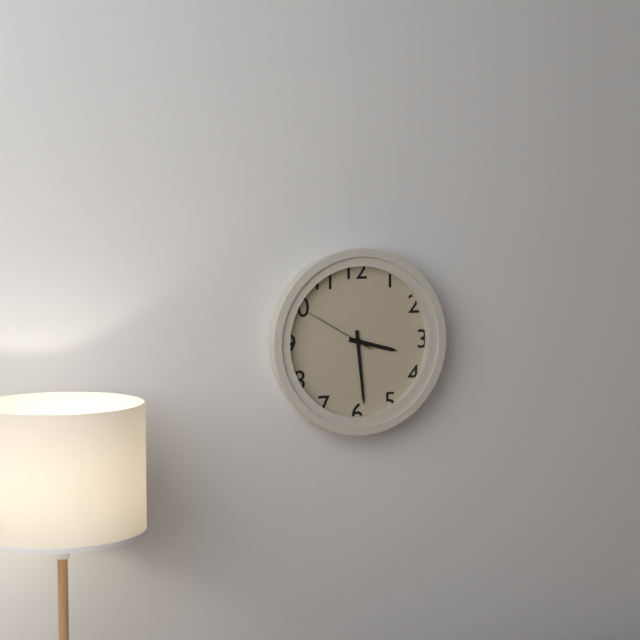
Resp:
**3:29:50**
